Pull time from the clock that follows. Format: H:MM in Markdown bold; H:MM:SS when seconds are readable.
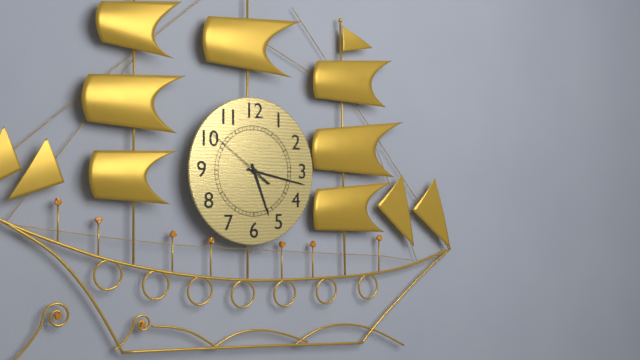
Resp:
**5:17:51**
